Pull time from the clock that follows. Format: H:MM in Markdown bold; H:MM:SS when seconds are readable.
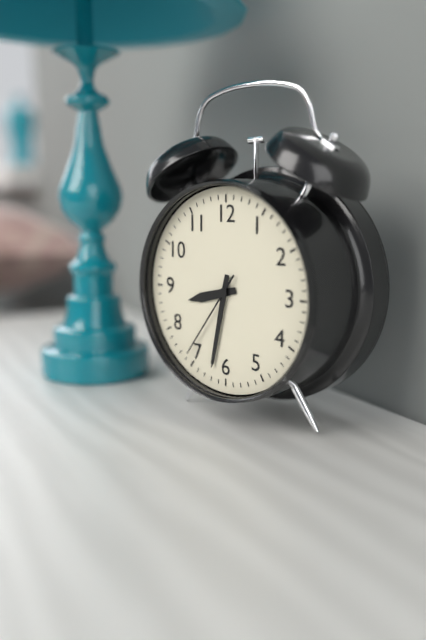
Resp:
**8:32:36**
